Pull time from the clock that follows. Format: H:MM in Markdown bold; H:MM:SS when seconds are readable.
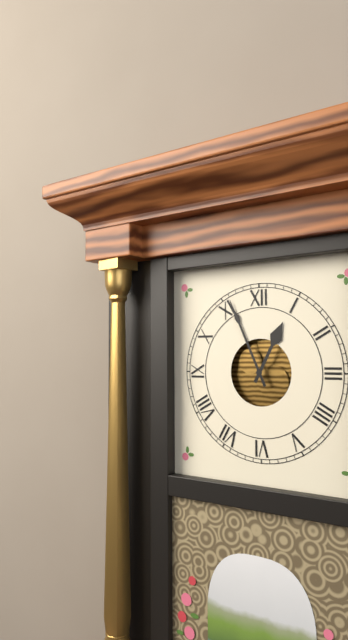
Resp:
**12:56**
